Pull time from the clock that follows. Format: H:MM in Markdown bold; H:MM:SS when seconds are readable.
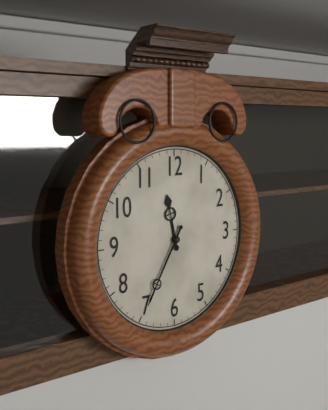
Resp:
**11:35**
